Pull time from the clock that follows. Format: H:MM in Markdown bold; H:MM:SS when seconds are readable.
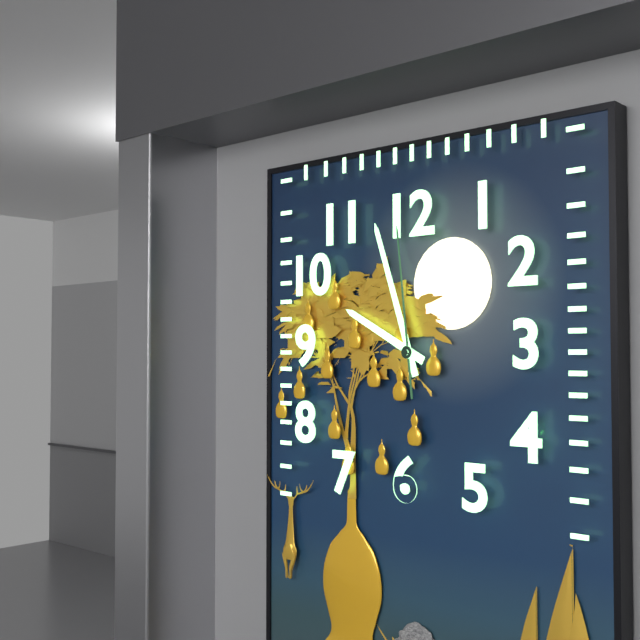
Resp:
**9:57:59**
